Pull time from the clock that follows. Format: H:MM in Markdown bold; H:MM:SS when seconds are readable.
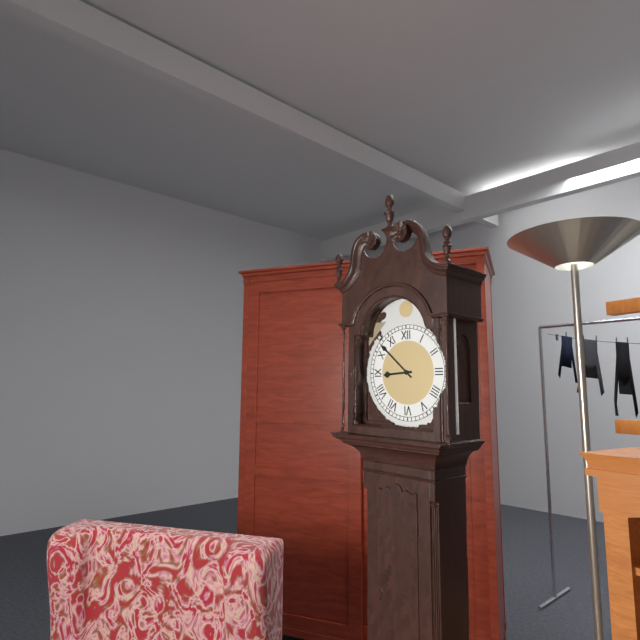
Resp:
**8:52**
